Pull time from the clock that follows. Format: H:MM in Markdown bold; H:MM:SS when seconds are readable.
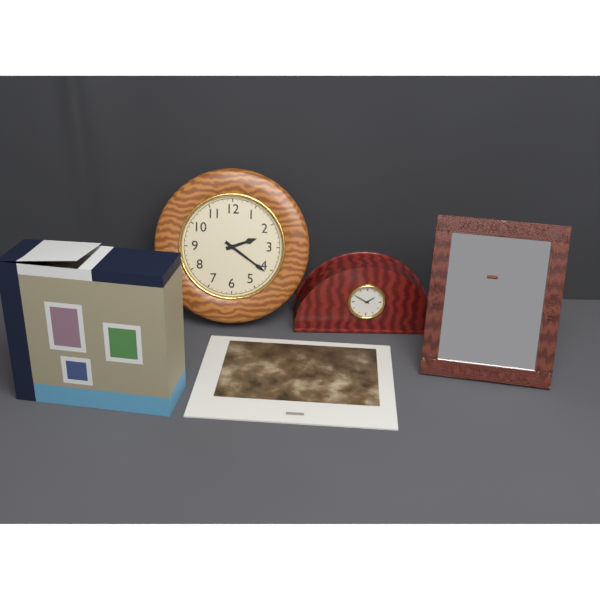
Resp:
**2:21**
